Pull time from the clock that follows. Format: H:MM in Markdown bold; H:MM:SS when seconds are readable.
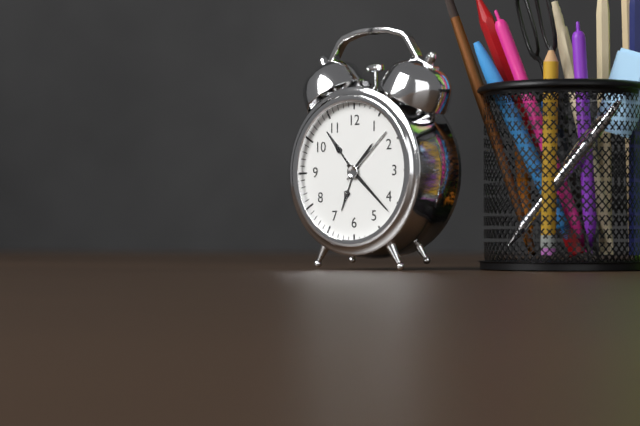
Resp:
**1:22**
